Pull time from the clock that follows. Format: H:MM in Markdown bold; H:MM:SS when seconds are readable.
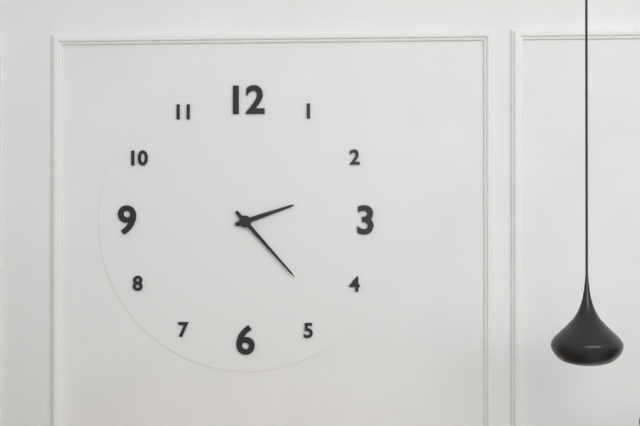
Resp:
**2:23**
